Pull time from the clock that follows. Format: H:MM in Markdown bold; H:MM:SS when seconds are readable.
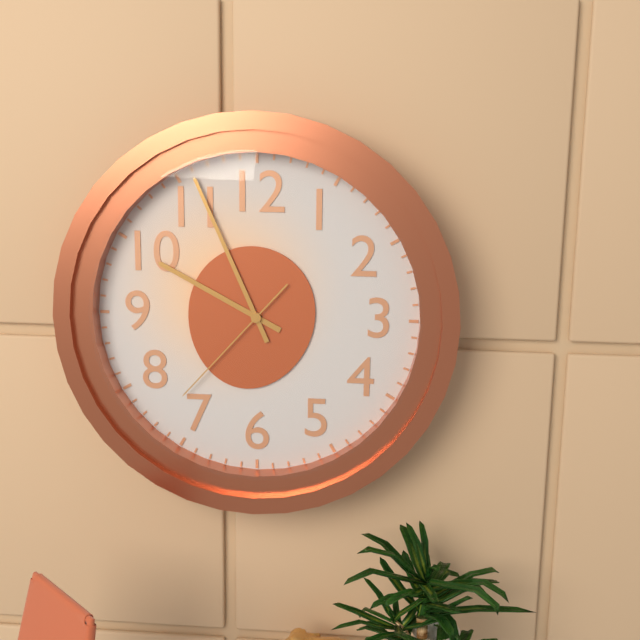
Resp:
**9:56:37**
